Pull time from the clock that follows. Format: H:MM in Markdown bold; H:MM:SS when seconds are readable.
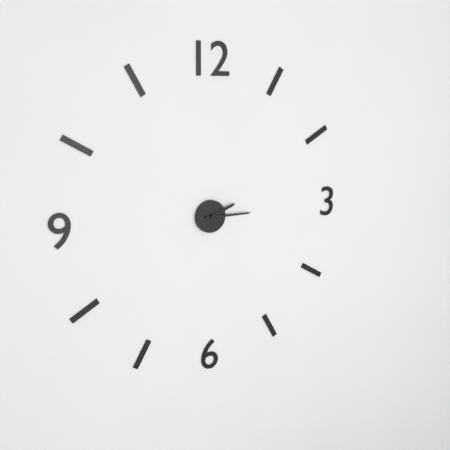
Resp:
**2:15**
